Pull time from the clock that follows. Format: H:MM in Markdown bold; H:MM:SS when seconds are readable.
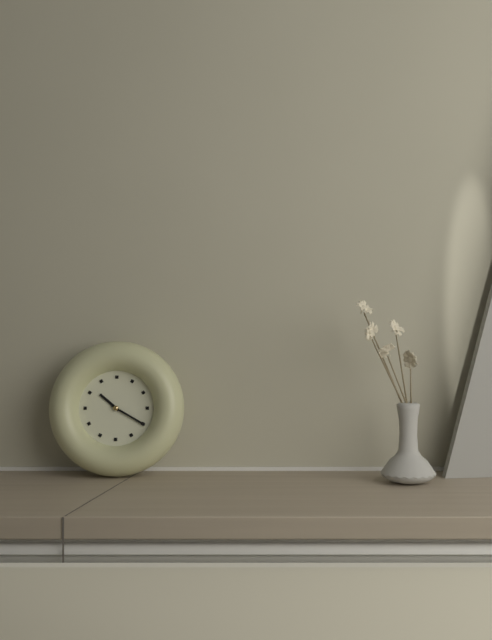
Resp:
**10:20**
